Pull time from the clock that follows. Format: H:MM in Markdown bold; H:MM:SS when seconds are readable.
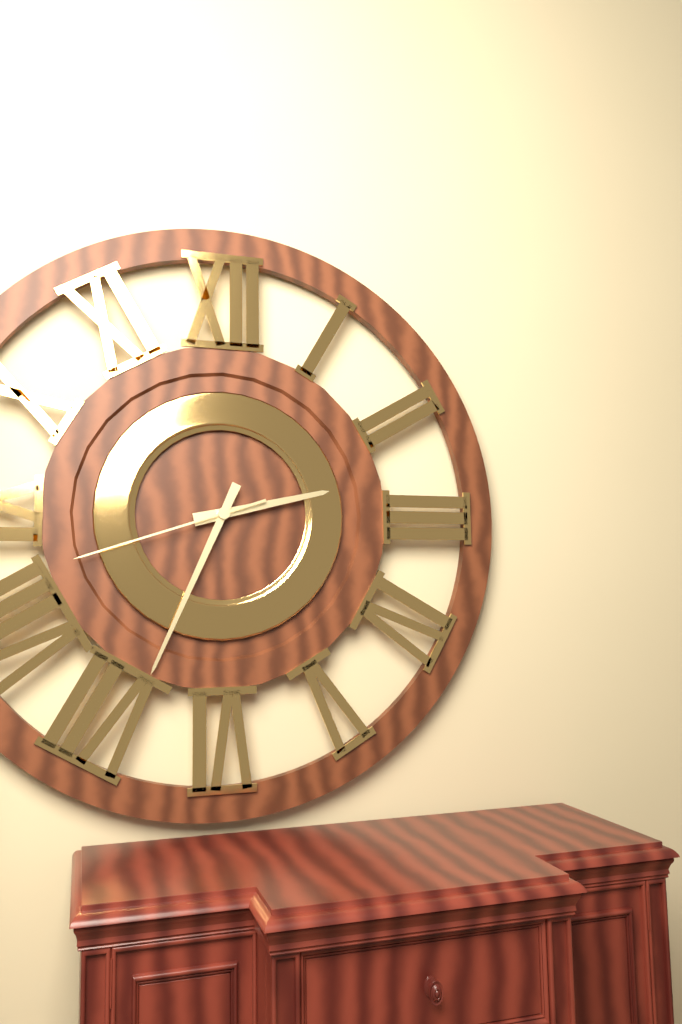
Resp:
**2:34:42**
